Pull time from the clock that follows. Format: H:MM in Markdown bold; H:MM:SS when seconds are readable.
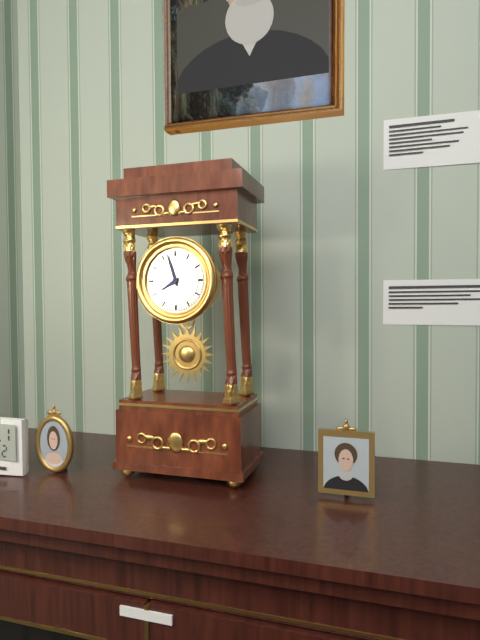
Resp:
**7:57**
